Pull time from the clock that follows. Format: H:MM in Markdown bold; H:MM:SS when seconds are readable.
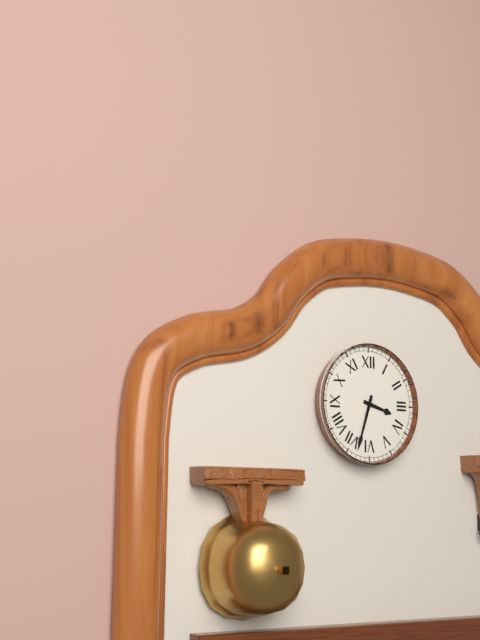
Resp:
**3:33**
